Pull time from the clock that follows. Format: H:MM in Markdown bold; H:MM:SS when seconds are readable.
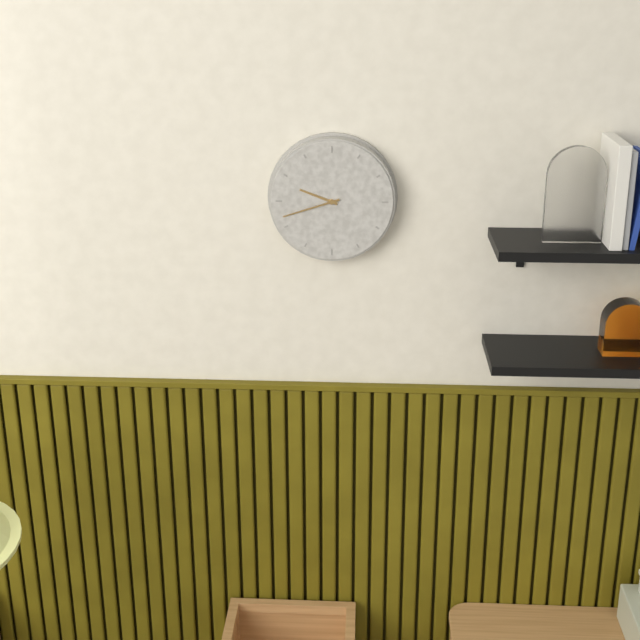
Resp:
**9:42**
